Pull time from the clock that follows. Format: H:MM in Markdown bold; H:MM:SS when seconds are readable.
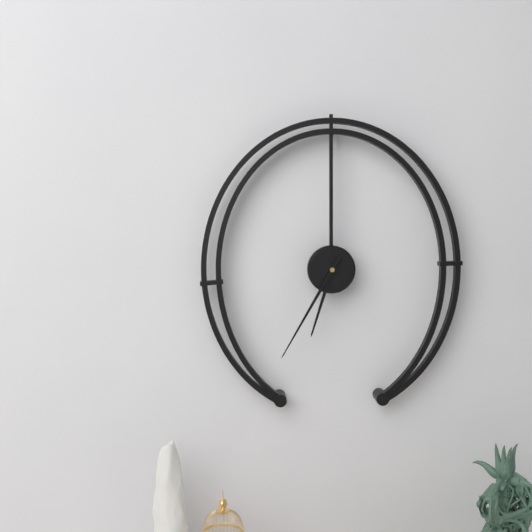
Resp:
**6:35**
